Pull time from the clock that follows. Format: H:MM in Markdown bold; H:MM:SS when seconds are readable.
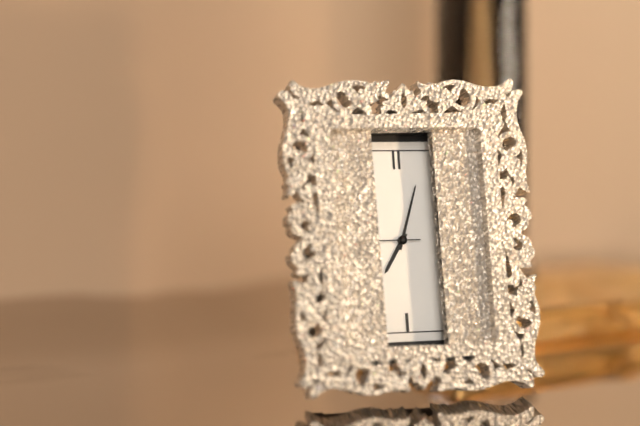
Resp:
**7:03**
